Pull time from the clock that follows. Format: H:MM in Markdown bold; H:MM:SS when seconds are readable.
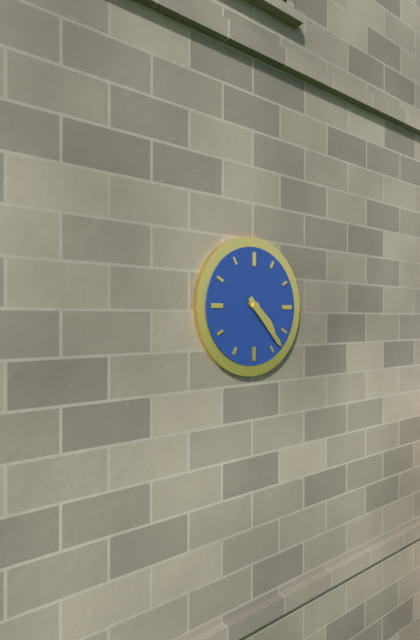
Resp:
**4:23**
